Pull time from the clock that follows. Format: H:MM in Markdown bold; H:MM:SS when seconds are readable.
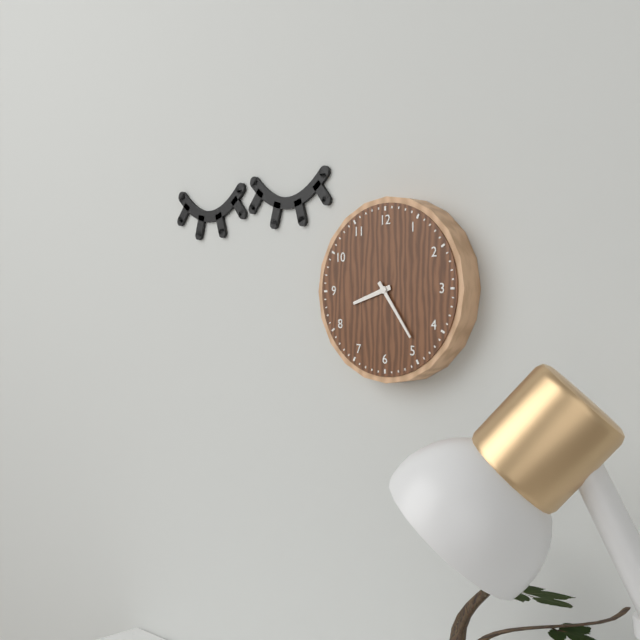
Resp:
**8:24**
